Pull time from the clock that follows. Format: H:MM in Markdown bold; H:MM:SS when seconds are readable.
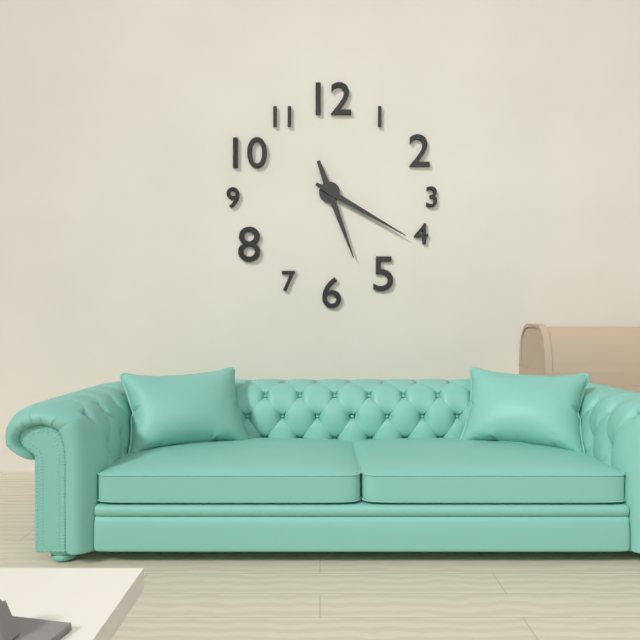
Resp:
**5:20**
